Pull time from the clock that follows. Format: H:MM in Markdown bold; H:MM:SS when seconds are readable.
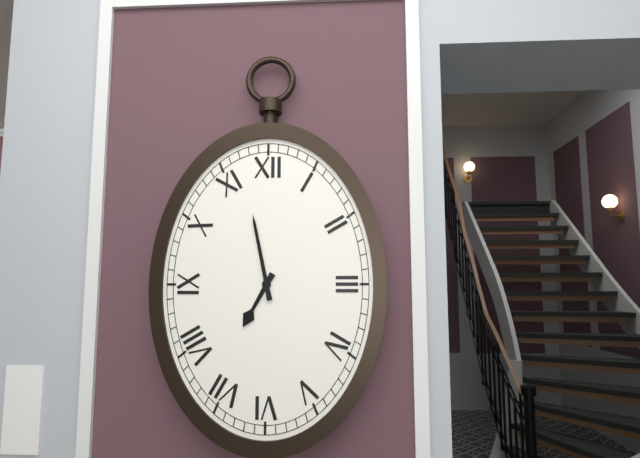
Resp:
**6:58**
